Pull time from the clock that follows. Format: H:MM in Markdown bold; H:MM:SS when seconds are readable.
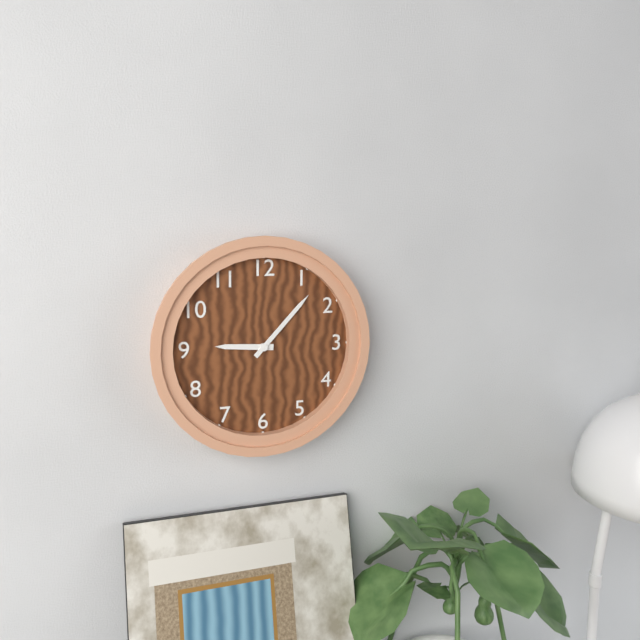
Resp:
**9:07**
